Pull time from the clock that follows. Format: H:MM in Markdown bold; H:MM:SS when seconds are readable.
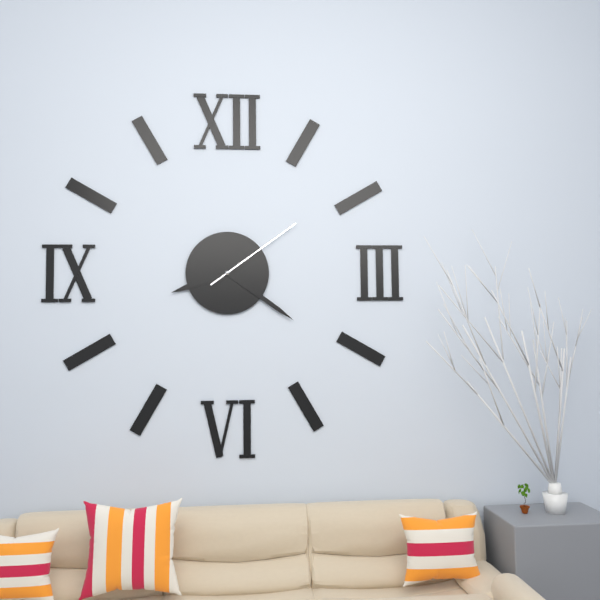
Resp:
**8:21:09**
